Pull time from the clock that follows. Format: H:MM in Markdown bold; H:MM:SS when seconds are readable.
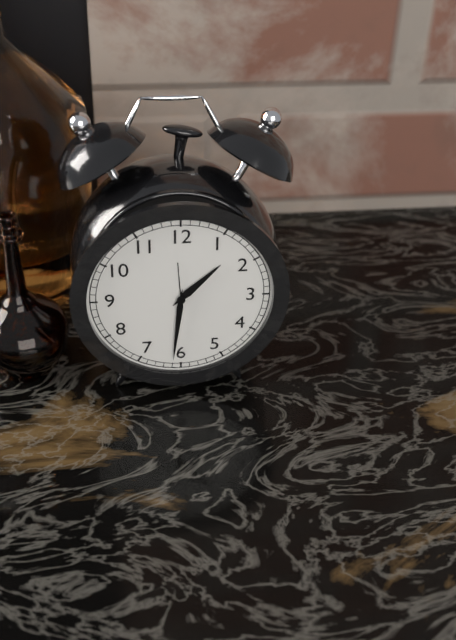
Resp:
**1:31**
